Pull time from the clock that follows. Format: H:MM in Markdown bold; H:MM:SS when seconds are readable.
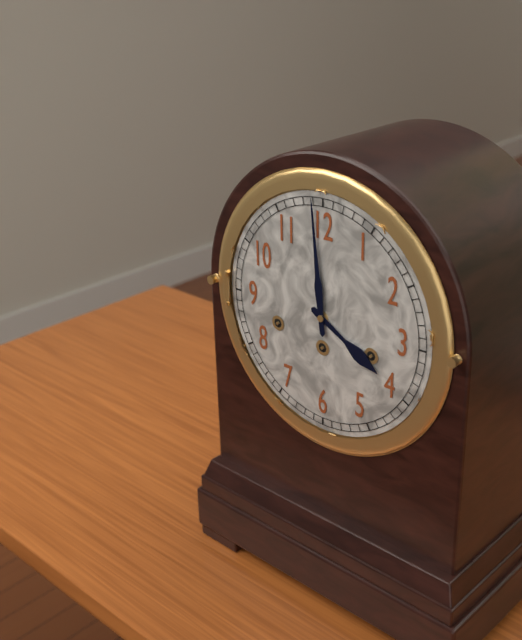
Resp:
**3:59**
